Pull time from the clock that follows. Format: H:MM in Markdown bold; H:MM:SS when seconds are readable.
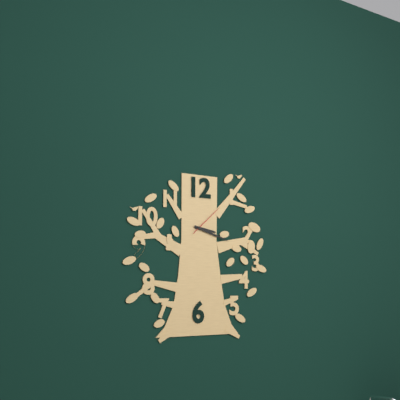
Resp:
**3:18**
